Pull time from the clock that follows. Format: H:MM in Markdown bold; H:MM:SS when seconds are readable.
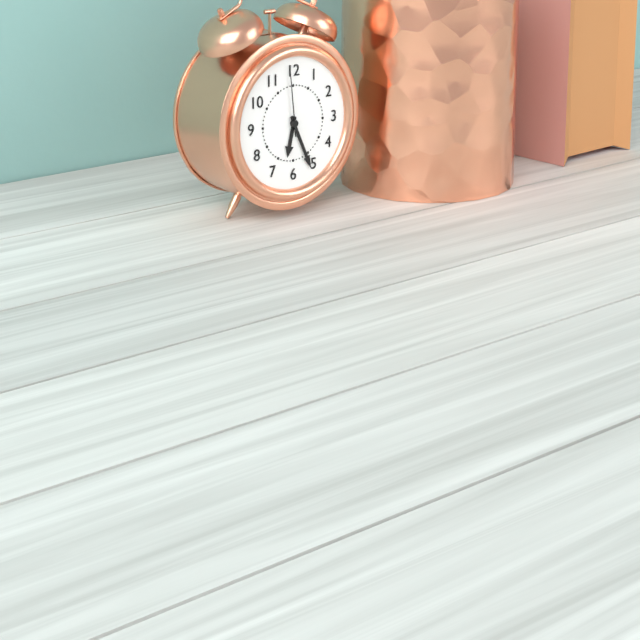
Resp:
**6:26:59**
